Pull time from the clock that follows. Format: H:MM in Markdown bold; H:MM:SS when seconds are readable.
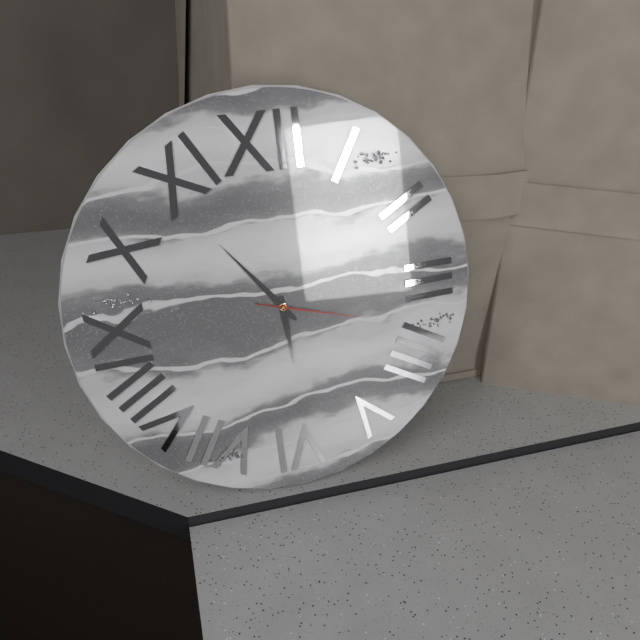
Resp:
**5:54:18**
